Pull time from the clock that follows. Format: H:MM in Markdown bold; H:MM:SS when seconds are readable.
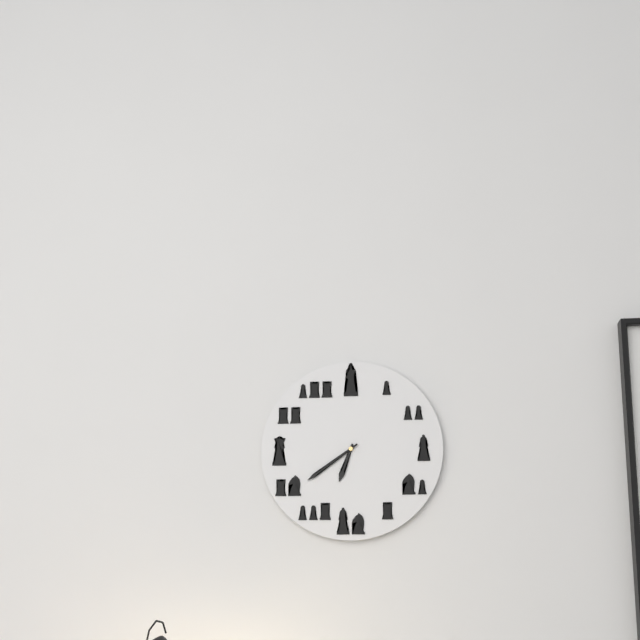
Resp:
**6:39**
